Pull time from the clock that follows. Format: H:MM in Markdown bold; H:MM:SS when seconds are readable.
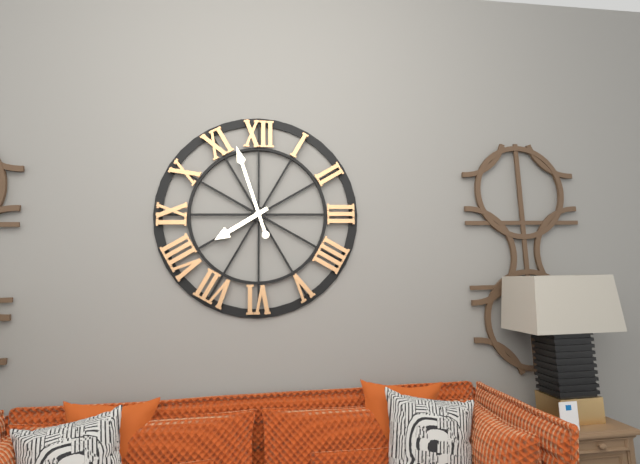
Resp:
**7:57**
